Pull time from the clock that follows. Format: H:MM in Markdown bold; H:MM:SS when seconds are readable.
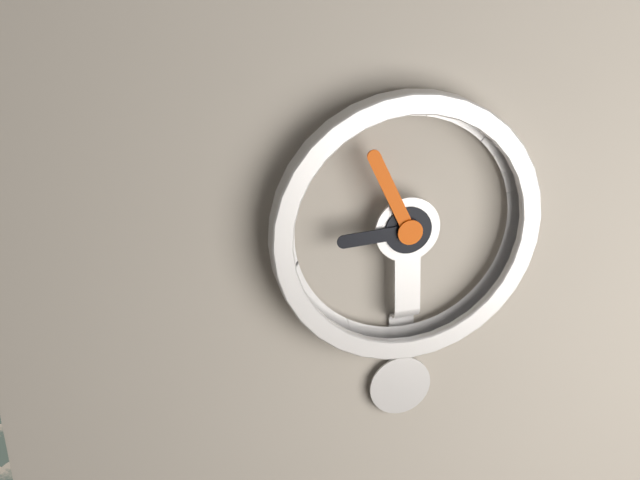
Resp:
**8:56**
